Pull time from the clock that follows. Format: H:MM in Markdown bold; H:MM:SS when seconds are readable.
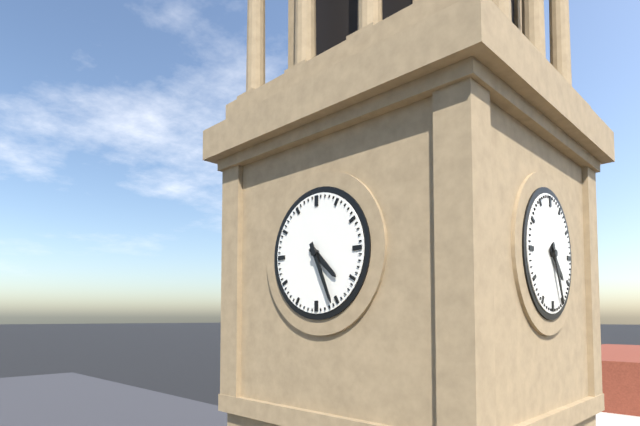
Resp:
**4:26**
